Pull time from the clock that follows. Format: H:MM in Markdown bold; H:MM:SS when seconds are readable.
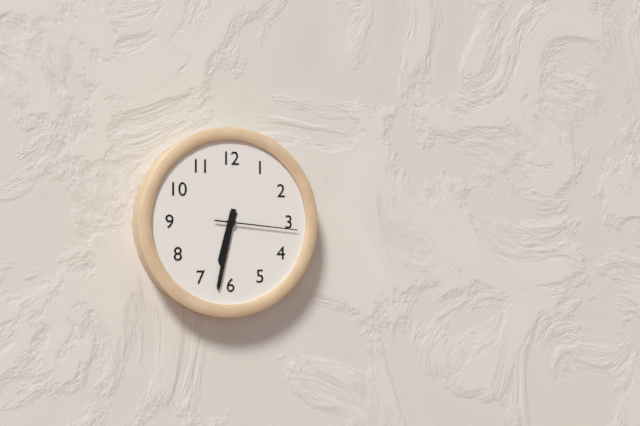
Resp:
**6:32:16**
